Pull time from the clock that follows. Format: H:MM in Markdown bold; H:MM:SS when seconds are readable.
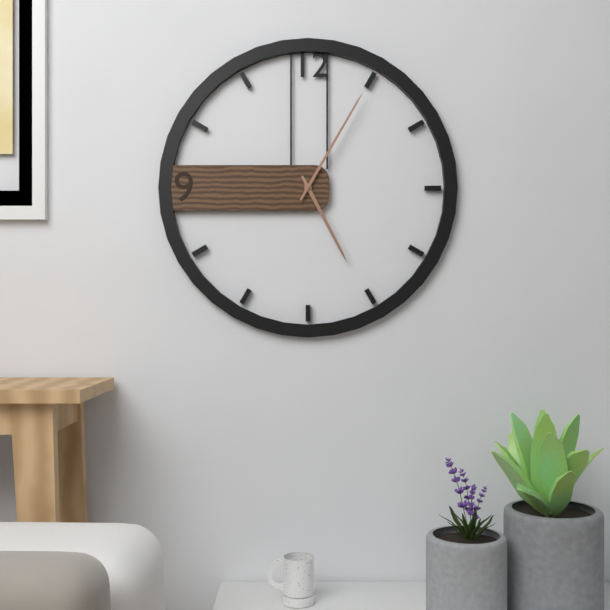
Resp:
**5:05**
